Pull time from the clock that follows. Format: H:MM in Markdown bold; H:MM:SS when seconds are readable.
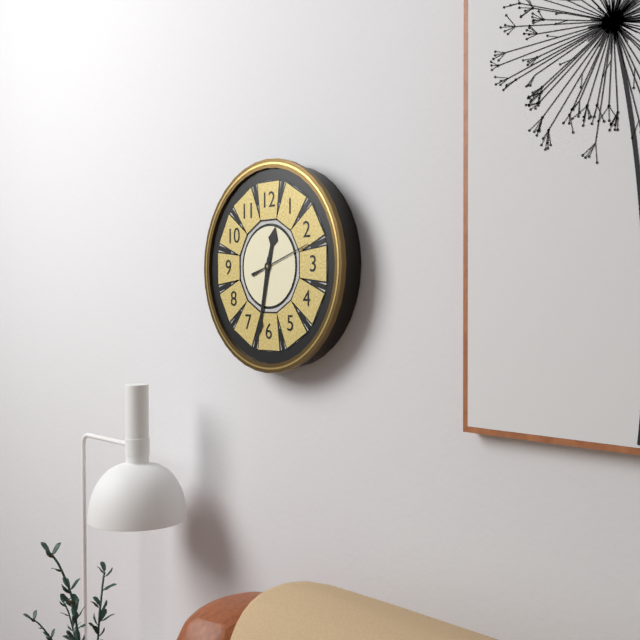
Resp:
**12:32:12**
